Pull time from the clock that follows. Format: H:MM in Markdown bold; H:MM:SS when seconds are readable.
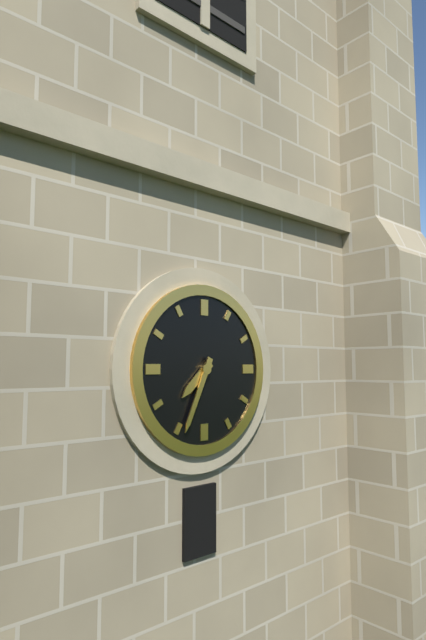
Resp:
**7:34**
